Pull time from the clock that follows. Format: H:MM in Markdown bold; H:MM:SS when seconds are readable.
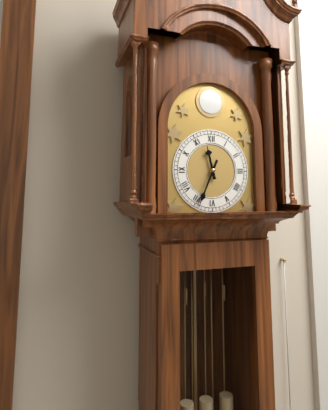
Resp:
**11:34**
